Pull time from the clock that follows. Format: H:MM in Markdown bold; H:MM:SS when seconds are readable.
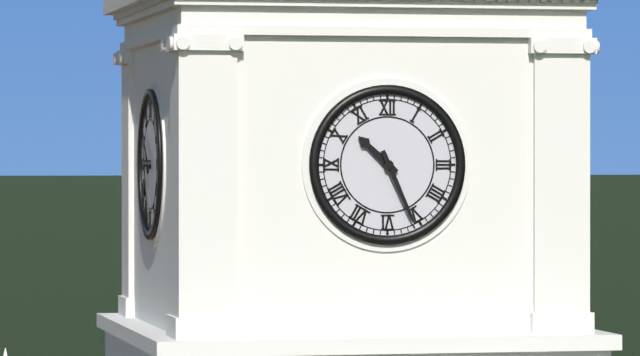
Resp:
**10:26**
